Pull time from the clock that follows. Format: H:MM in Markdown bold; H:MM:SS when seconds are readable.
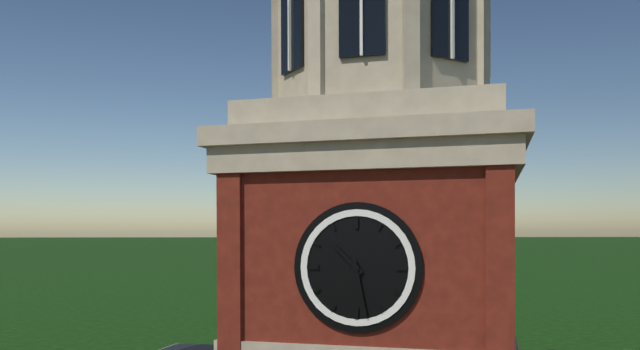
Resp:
**10:28**
